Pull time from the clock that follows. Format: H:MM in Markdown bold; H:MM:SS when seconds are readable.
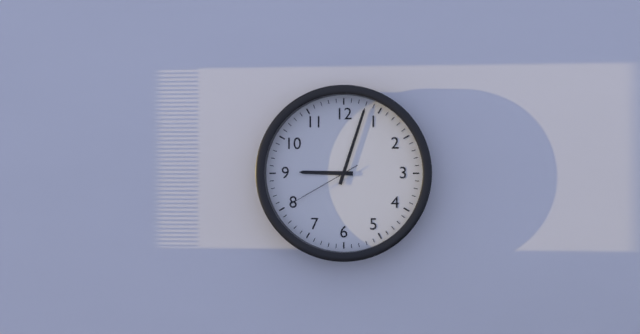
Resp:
**9:03:40**
